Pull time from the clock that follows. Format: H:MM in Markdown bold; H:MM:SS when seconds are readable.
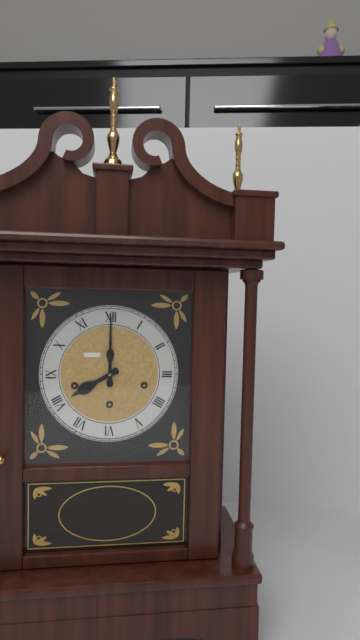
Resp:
**8:00**
